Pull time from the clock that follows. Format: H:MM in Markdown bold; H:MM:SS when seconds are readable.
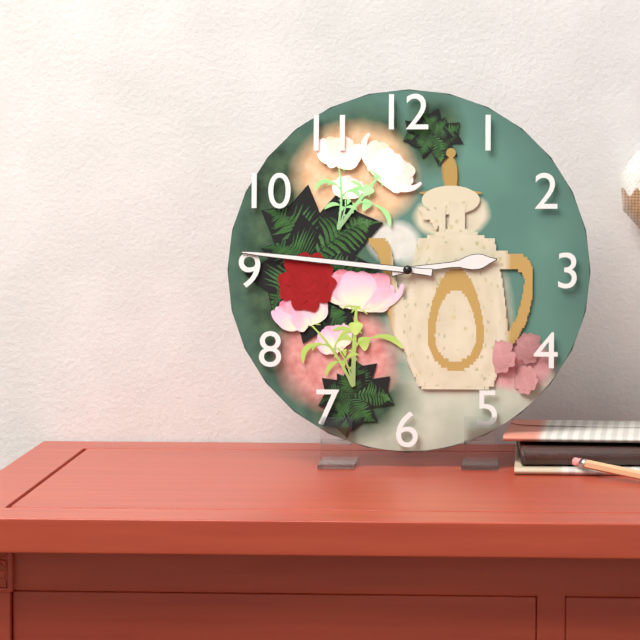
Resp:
**2:46**
